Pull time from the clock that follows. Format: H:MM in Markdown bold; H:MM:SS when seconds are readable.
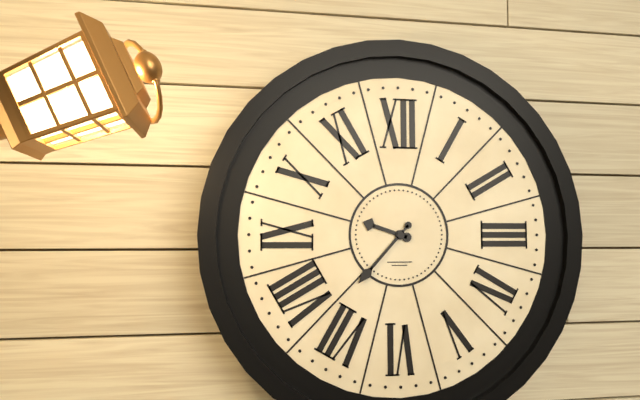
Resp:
**9:37**
